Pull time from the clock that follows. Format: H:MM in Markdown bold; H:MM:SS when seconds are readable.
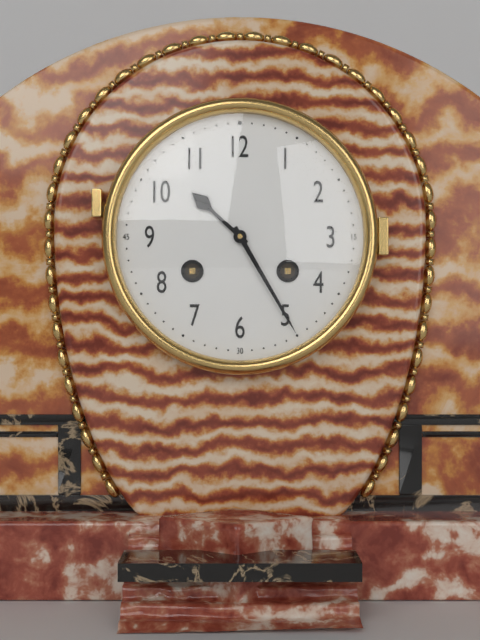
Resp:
**10:25**
